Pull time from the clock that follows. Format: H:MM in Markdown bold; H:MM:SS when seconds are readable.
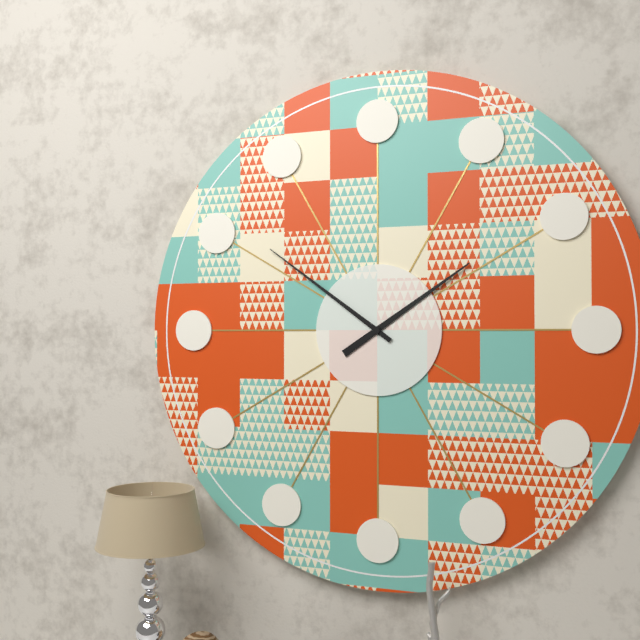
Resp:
**1:51**
